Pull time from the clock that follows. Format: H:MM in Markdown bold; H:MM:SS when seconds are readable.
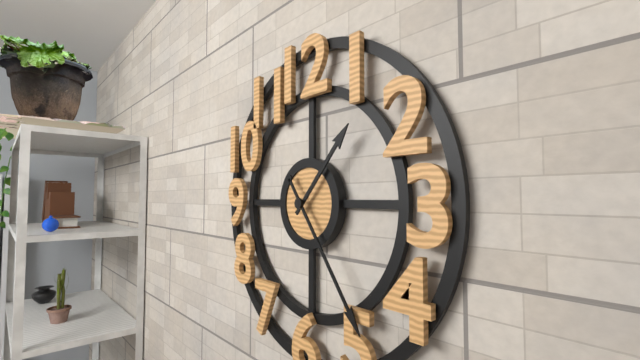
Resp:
**1:24**
